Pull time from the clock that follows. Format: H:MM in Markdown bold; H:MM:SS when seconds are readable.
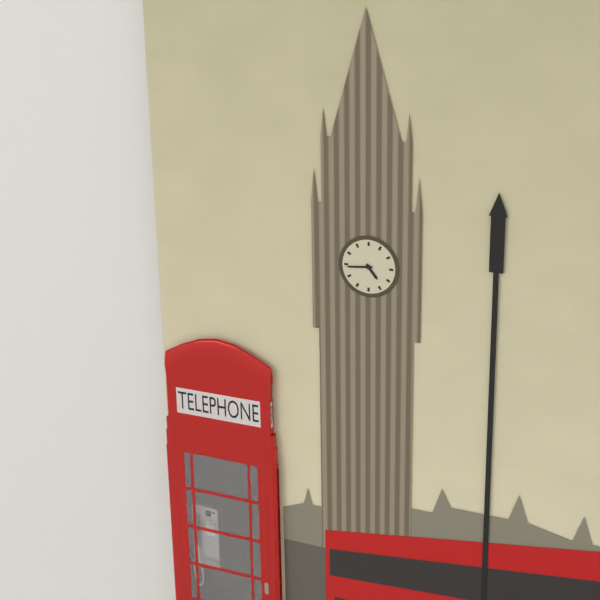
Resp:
**4:44**
